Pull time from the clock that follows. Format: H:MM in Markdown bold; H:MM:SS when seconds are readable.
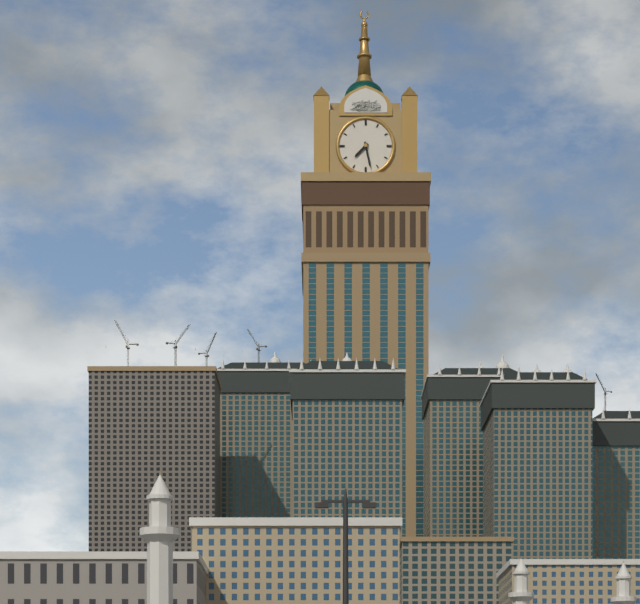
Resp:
**7:28**
